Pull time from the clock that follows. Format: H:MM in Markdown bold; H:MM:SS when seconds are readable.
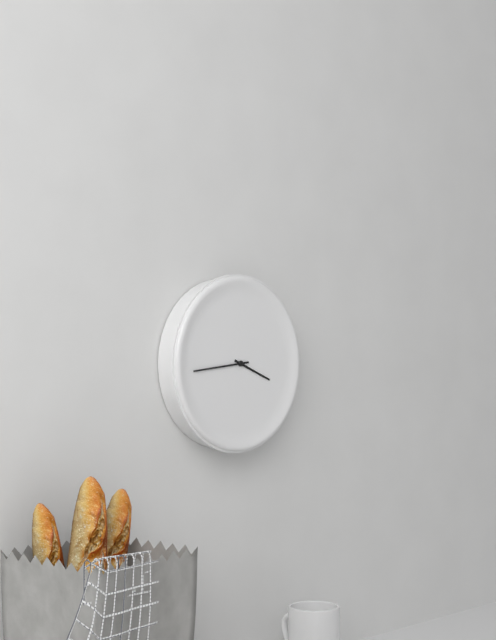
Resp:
**3:44**
